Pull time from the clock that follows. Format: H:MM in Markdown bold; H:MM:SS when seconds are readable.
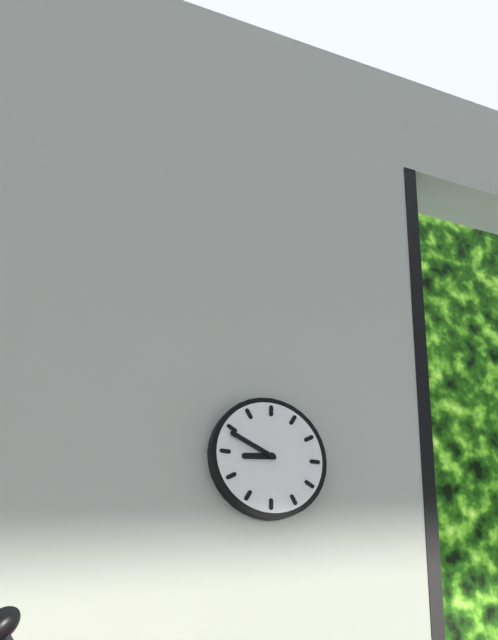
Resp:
**8:49**
